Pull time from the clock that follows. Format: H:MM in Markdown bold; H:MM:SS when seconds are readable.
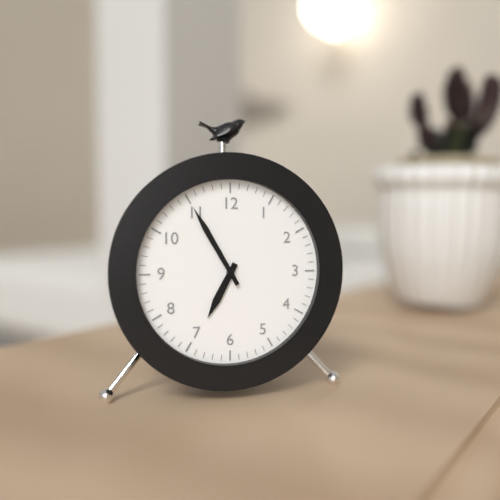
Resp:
**6:55**
